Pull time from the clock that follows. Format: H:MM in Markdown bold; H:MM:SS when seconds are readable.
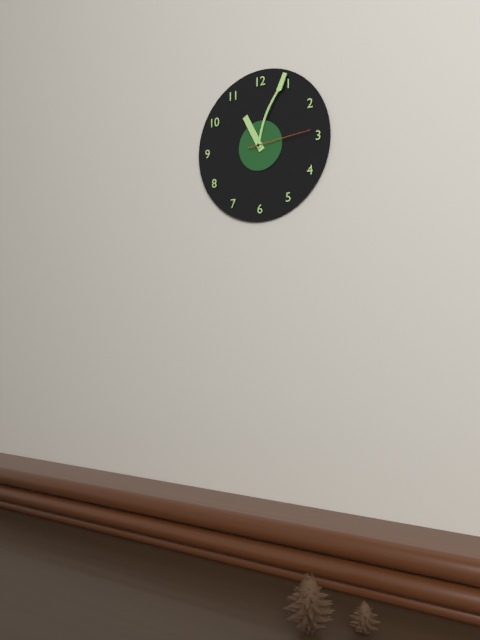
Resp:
**11:04:14**
